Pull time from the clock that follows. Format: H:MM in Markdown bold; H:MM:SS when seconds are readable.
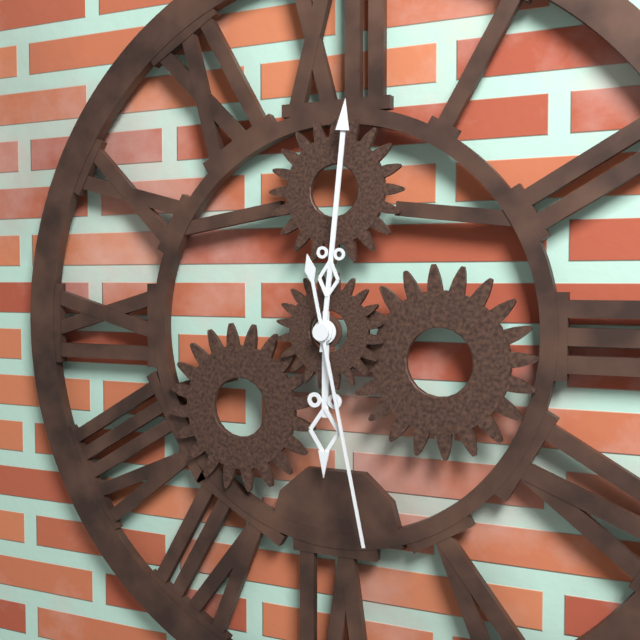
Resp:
**6:01:28**
